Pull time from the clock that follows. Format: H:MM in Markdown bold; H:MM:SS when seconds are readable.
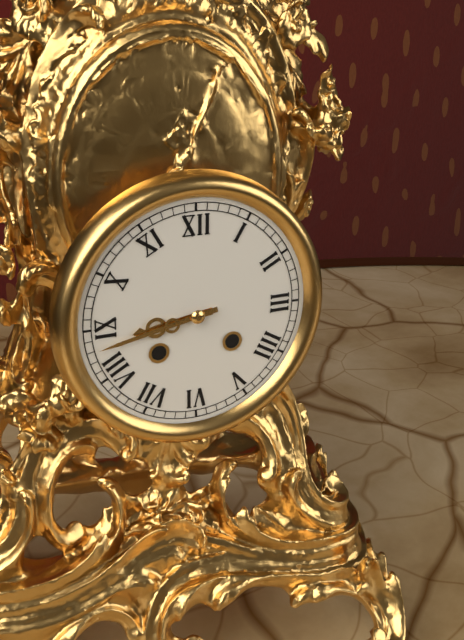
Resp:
**8:43**
